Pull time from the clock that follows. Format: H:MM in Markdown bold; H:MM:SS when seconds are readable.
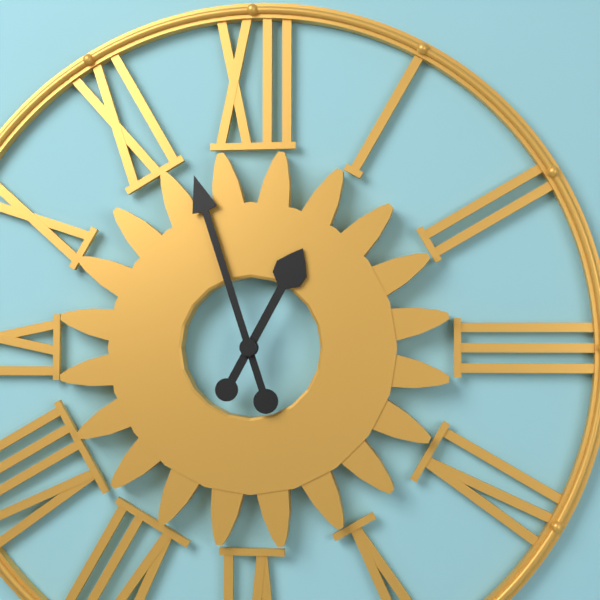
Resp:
**12:57**
